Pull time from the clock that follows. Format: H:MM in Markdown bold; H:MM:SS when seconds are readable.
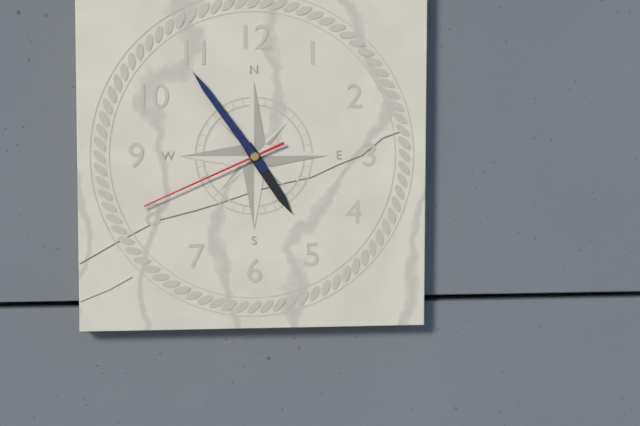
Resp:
**4:54:41**
